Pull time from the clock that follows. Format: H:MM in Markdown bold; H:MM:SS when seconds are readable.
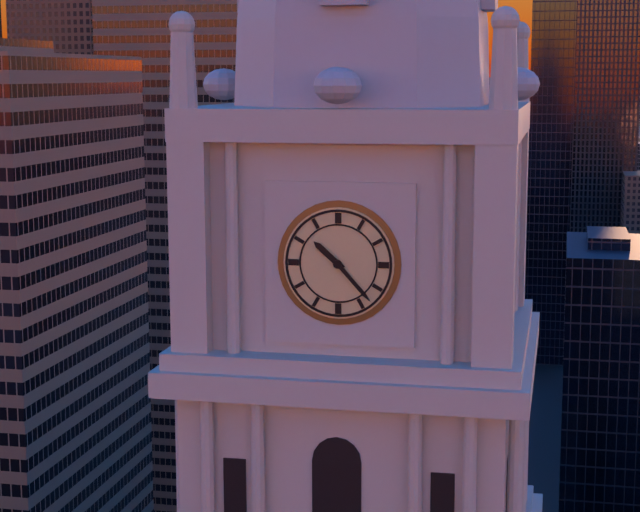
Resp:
**10:23**
